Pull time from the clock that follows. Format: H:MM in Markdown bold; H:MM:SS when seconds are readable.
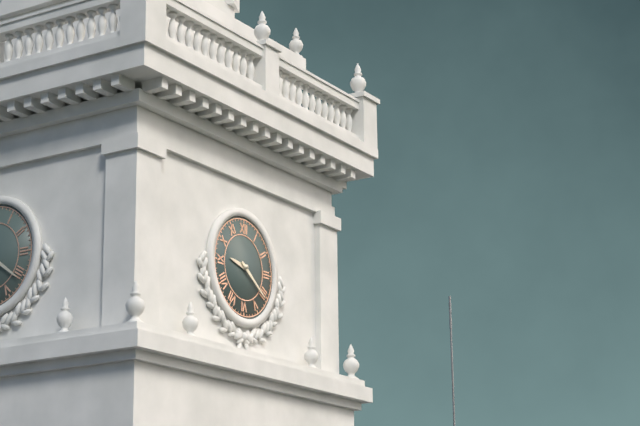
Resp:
**9:21**
